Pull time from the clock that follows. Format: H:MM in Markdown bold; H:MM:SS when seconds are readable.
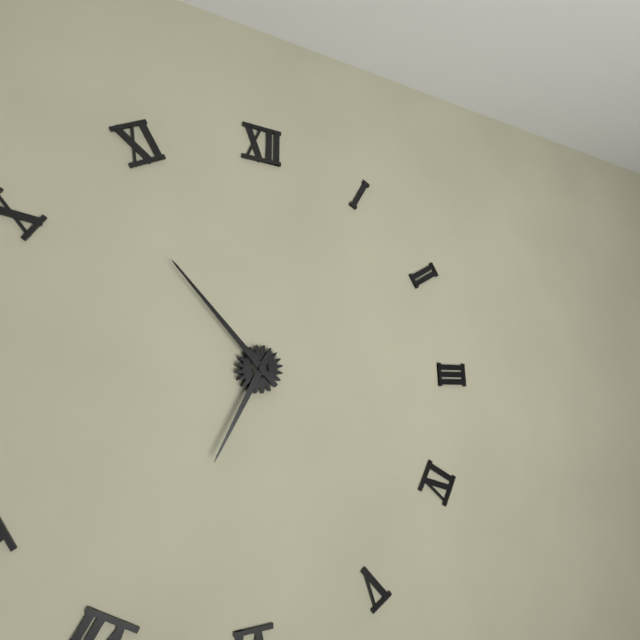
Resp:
**6:53**
